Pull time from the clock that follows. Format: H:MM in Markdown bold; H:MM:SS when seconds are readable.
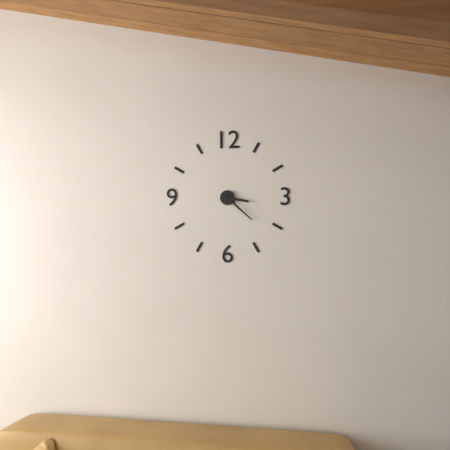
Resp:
**3:22**
